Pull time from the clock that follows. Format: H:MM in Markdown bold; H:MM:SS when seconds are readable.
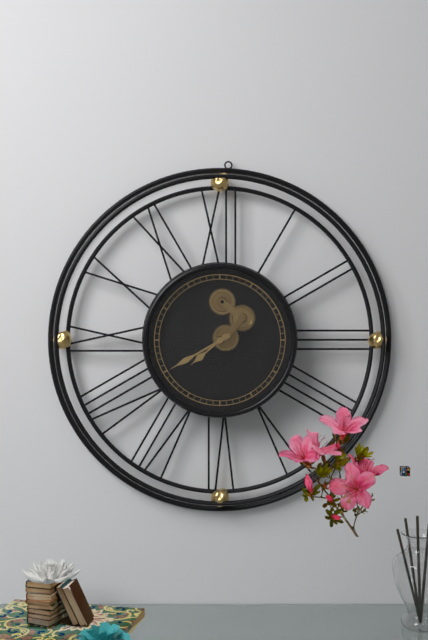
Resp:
**7:40**
